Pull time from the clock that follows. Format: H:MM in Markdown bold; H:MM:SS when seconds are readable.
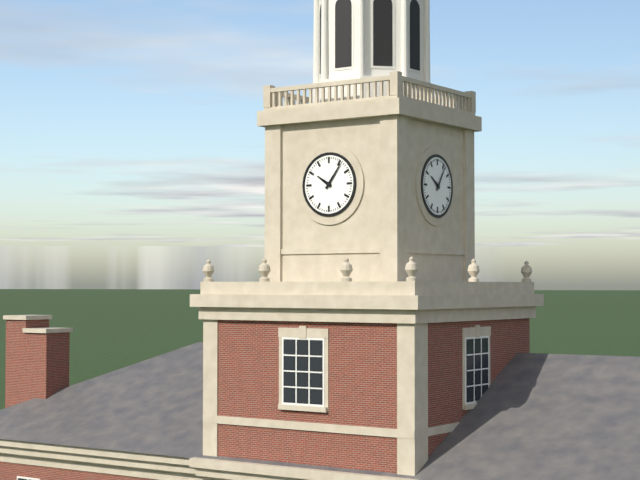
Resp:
**10:06**
